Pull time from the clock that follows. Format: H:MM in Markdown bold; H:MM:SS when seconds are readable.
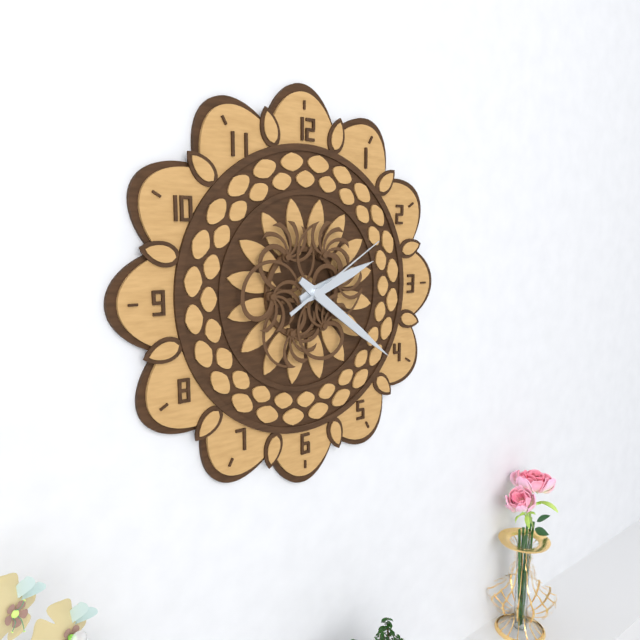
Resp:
**2:21:10**
